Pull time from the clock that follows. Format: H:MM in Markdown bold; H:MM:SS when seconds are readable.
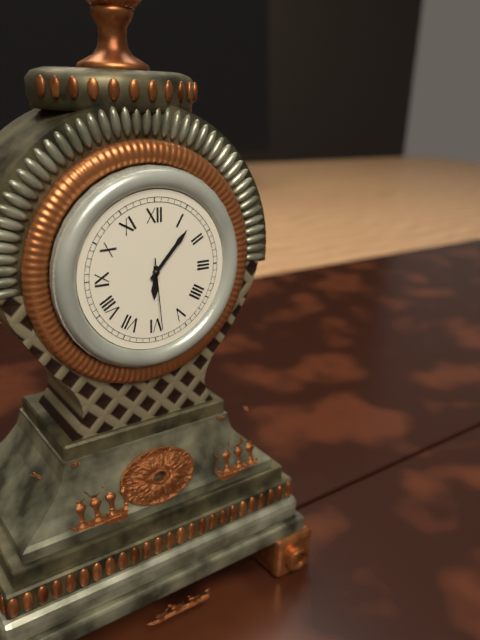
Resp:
**6:07:29**
